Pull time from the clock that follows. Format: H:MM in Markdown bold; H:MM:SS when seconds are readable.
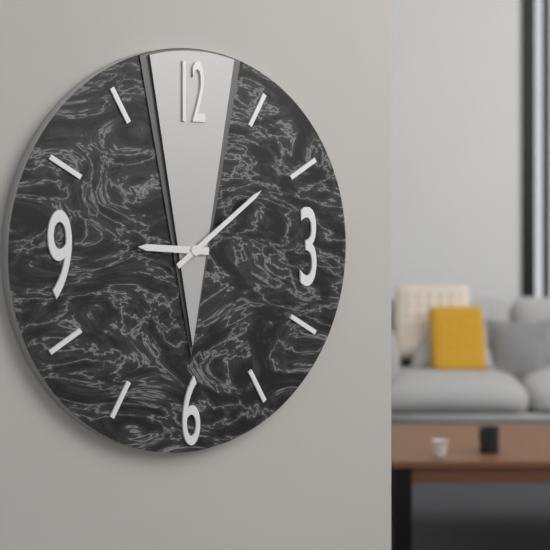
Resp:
**9:09**
